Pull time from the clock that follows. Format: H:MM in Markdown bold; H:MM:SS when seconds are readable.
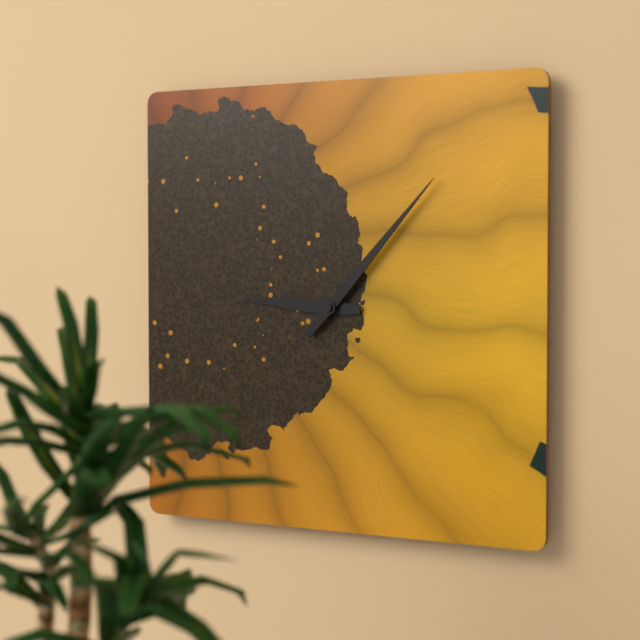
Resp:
**9:07**
